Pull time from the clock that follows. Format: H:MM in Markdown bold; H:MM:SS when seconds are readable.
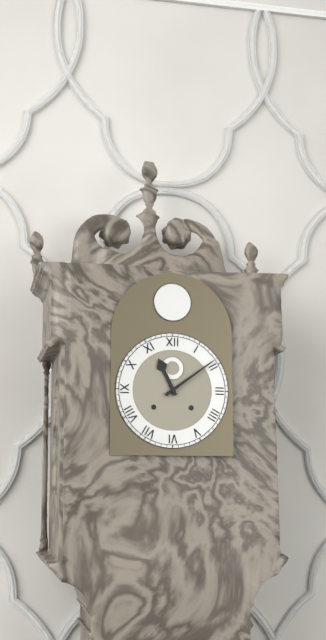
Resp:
**11:09**
